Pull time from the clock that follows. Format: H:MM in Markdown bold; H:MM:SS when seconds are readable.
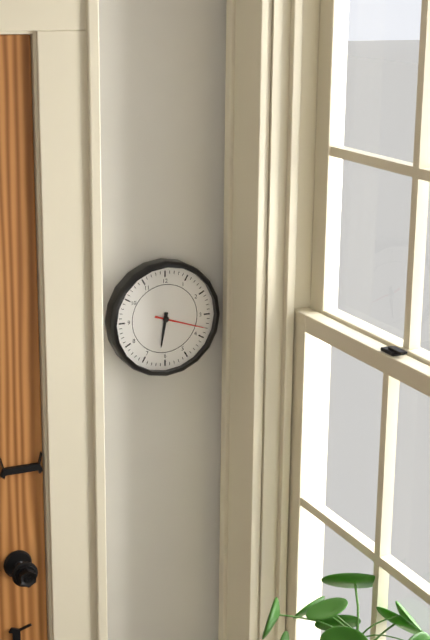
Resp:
**6:18**
